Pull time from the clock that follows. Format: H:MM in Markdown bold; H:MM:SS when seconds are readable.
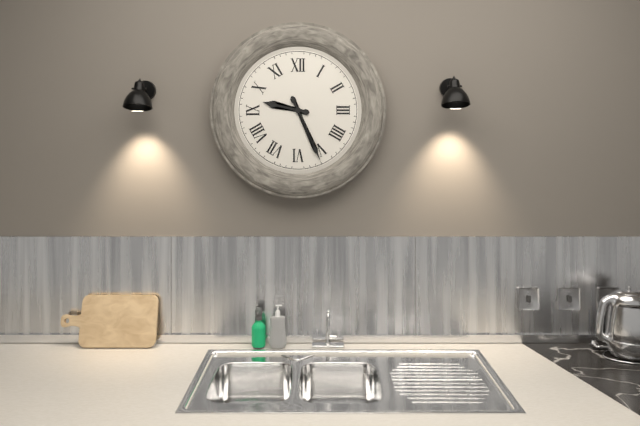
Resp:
**9:26**
